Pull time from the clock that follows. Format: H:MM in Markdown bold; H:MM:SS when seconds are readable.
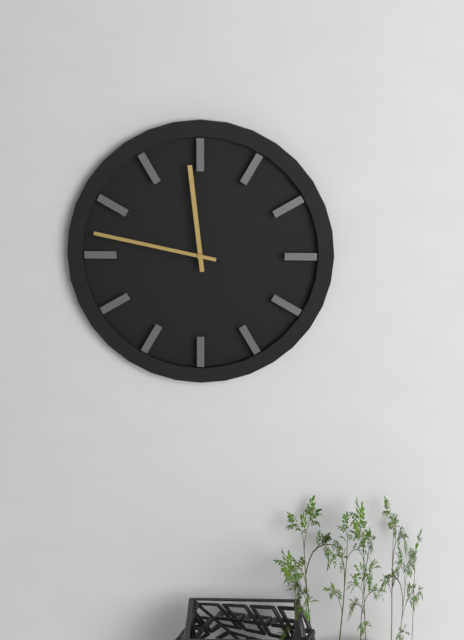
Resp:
**11:47**
